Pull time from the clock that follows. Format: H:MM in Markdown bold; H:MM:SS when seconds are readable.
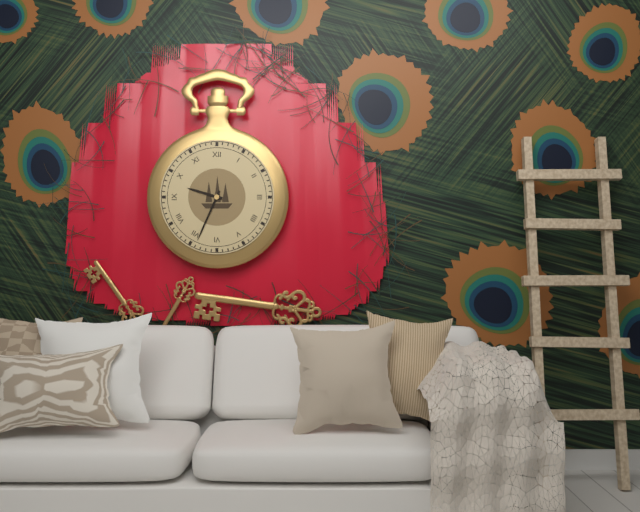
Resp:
**9:34**
